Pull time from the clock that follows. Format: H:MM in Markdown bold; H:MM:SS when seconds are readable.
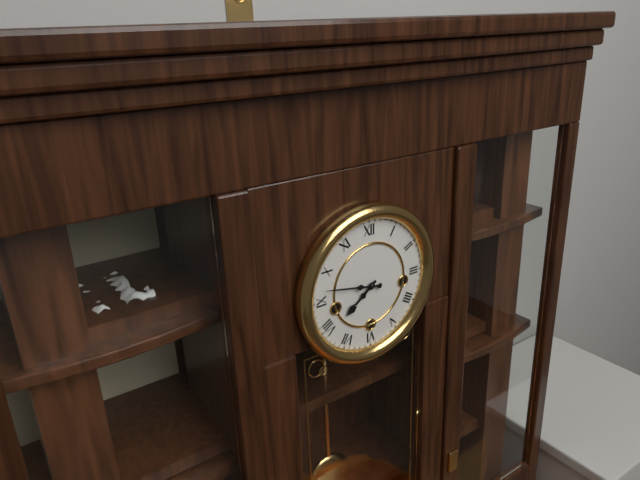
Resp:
**7:47**
